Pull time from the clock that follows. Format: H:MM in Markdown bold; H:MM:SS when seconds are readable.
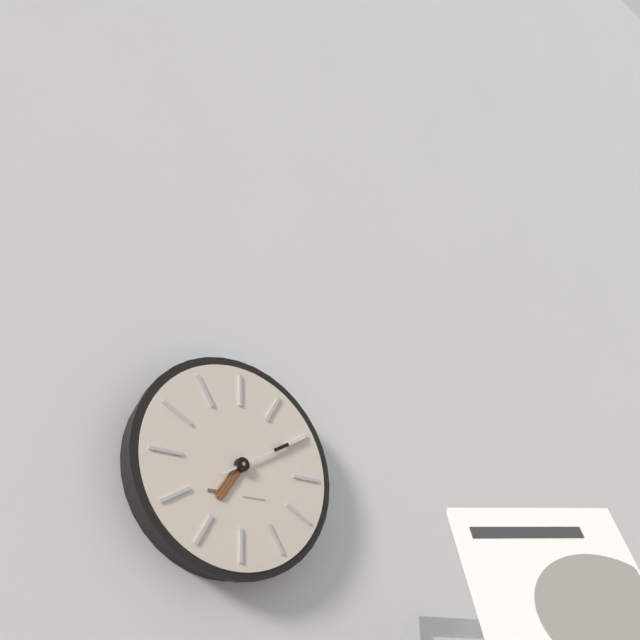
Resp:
**7:10**
